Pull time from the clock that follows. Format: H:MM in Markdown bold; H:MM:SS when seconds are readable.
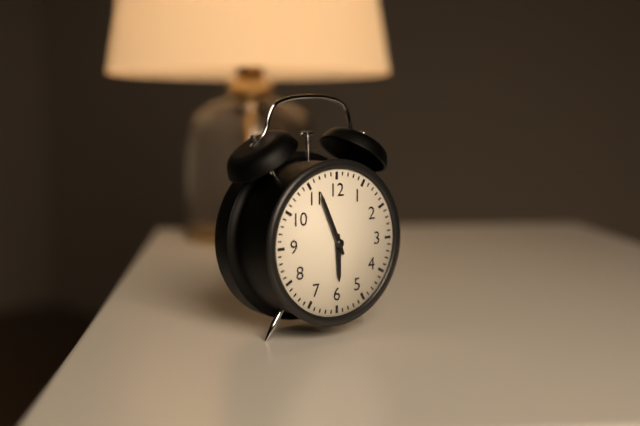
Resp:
**5:56**
